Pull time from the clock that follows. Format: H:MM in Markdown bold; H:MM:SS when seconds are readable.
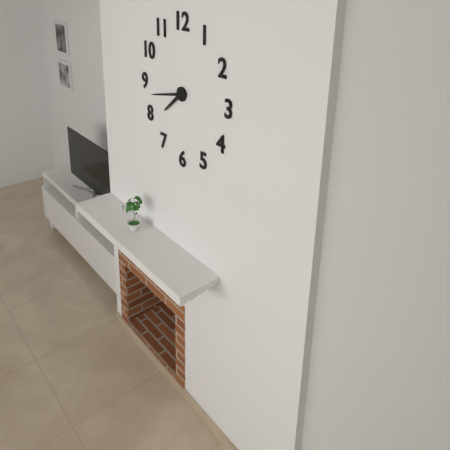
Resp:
**7:43**
